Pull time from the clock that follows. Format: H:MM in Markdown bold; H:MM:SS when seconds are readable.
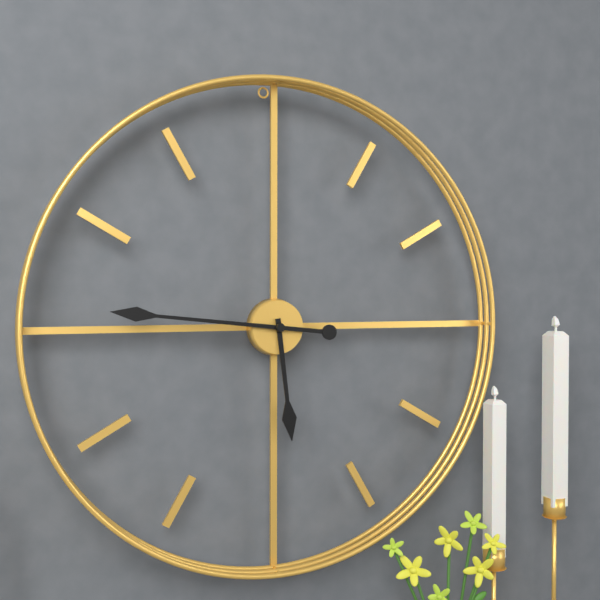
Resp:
**5:46**
